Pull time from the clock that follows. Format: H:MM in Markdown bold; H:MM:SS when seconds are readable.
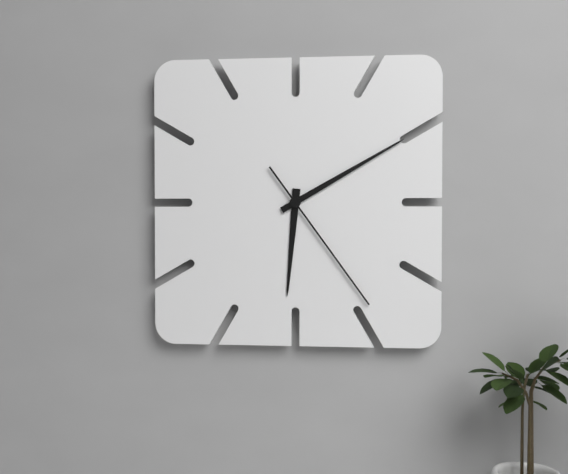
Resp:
**6:10:24**
